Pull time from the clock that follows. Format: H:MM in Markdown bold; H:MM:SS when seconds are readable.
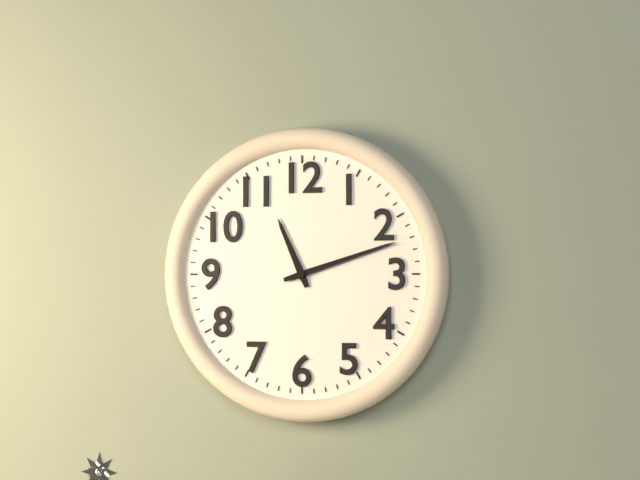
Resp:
**11:12**
